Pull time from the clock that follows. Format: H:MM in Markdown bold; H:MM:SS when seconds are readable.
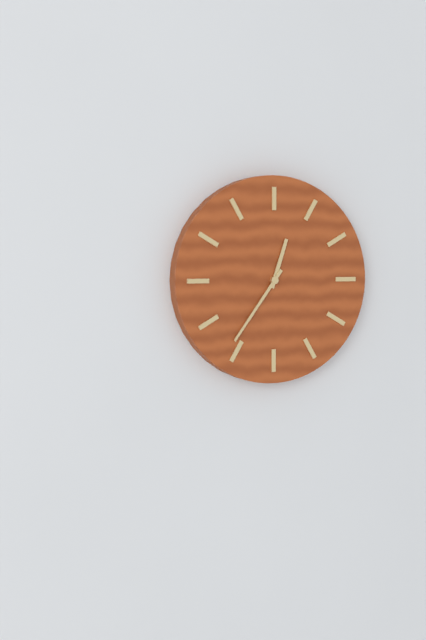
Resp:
**12:36**
